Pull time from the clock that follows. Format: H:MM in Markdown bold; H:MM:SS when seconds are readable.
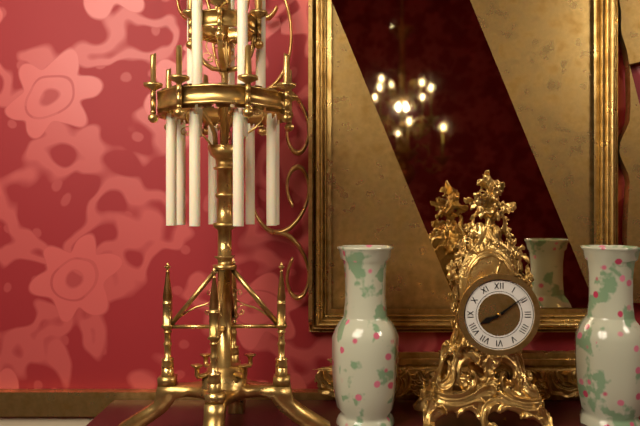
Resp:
**8:09**
